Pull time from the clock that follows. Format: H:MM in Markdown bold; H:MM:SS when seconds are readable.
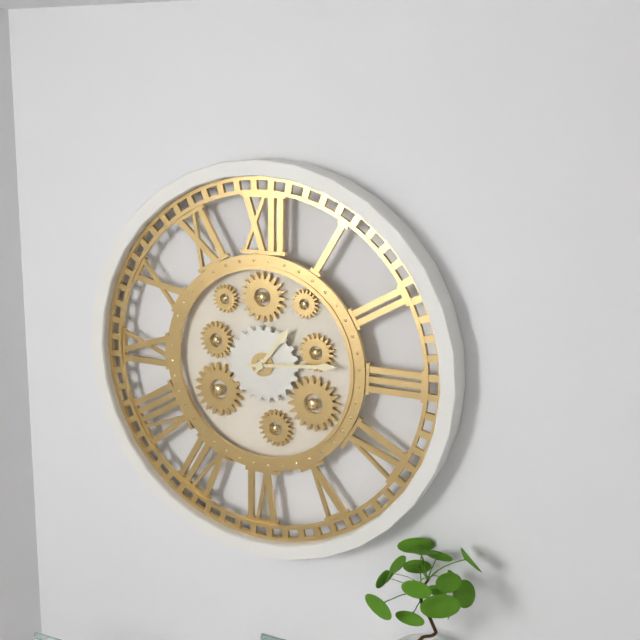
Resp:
**1:14**
